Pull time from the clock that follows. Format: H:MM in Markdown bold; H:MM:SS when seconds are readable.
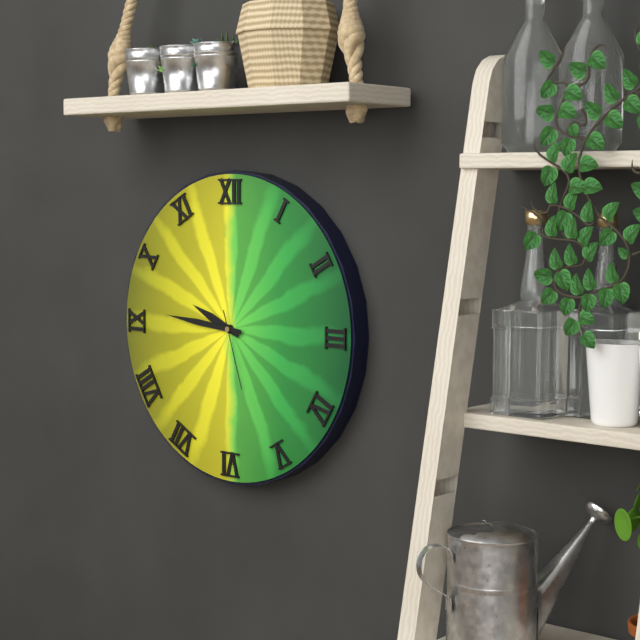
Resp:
**9:46:27**
